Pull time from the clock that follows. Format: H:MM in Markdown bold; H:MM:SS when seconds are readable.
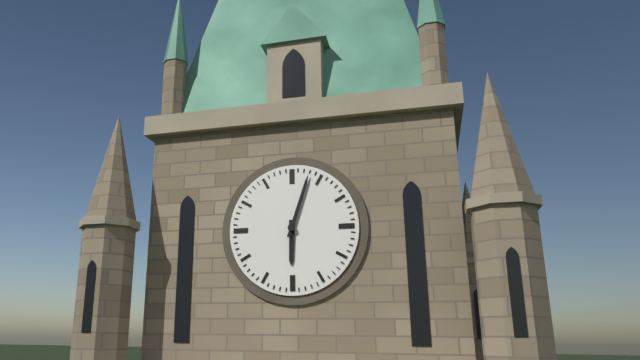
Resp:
**6:03**
